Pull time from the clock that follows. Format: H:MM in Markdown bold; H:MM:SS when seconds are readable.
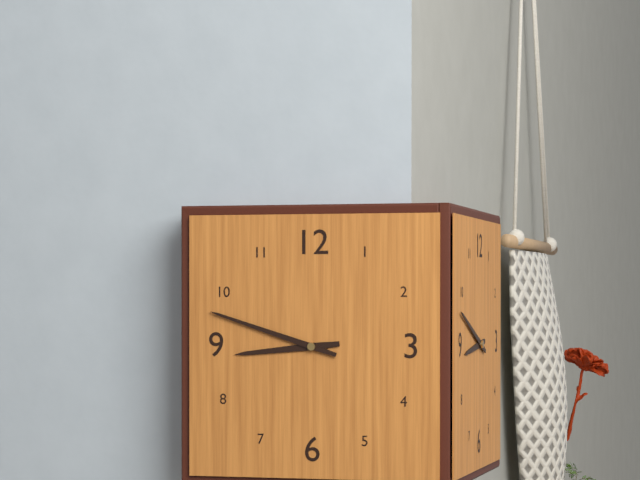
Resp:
**8:48**
